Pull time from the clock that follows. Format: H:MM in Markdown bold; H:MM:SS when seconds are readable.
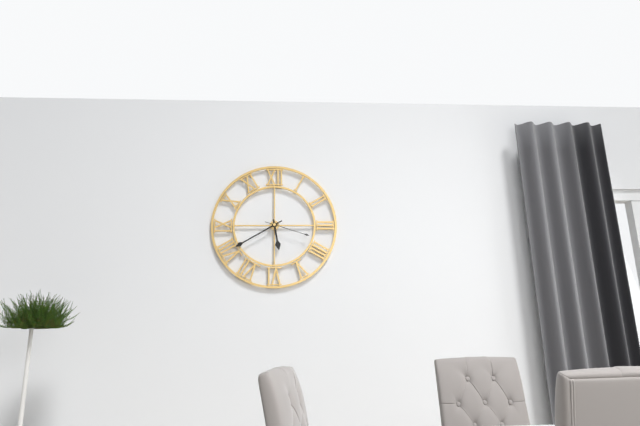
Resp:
**5:40**
